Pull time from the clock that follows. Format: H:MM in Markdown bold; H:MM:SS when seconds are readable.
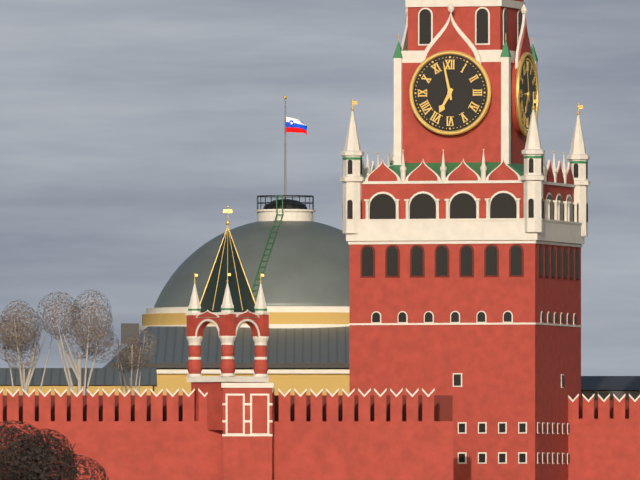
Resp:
**6:58**
